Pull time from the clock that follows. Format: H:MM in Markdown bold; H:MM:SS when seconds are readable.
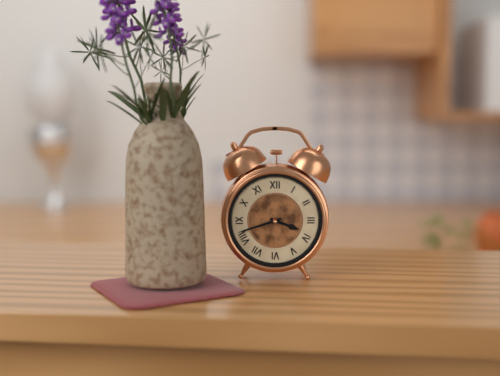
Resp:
**3:42**
